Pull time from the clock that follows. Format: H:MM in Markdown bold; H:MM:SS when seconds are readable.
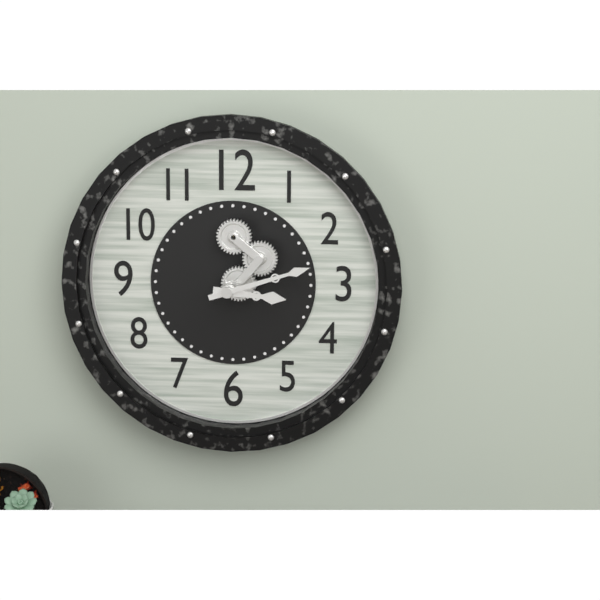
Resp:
**3:12**
